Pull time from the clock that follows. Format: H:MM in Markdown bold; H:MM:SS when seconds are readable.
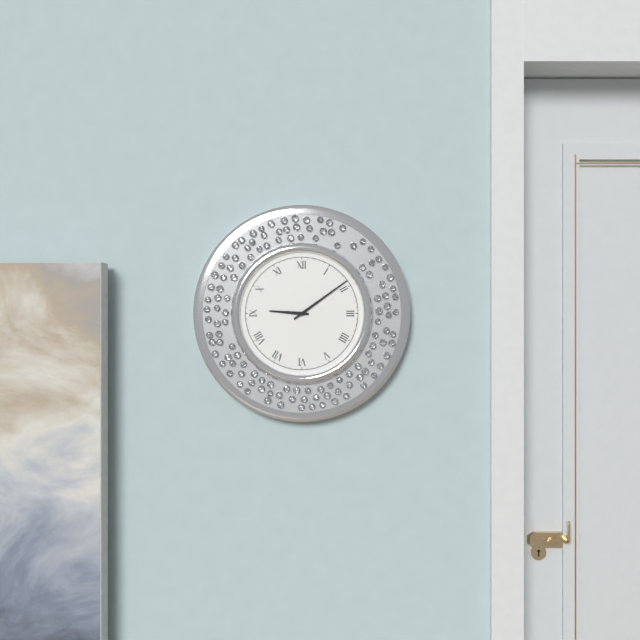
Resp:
**9:09**
